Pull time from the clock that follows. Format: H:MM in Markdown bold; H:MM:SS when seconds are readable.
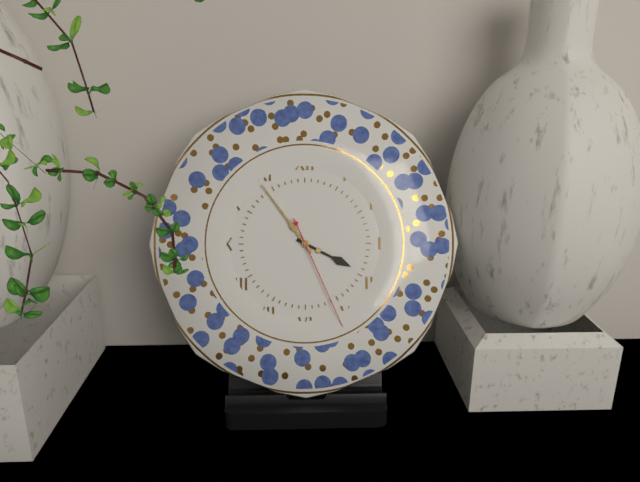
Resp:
**3:54:26**
